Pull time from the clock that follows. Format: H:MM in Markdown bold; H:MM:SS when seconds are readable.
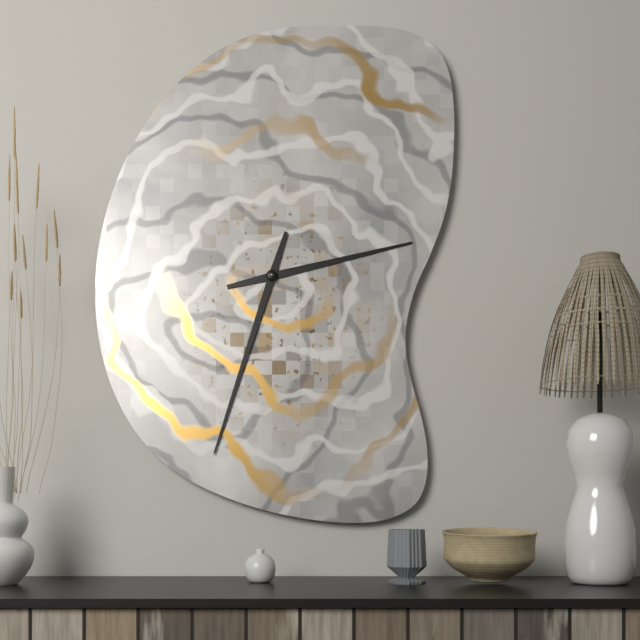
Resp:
**2:33**
